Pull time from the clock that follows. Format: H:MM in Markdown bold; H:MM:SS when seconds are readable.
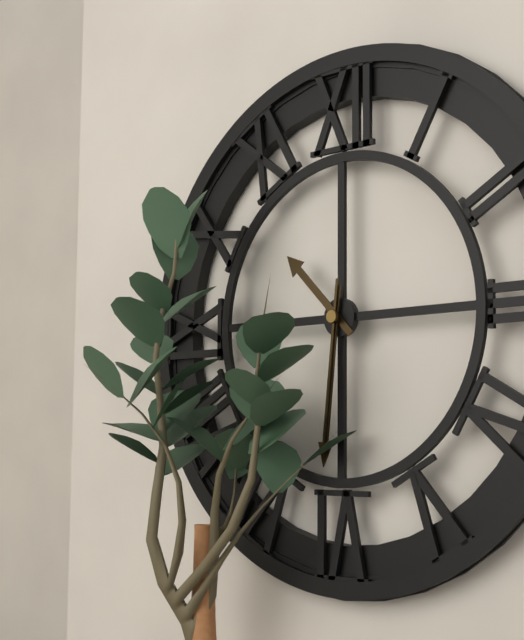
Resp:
**10:31:31**
